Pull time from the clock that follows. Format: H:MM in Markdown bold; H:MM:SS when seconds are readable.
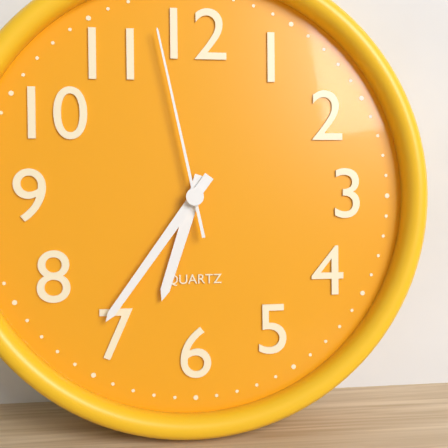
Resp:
**6:36:58**
